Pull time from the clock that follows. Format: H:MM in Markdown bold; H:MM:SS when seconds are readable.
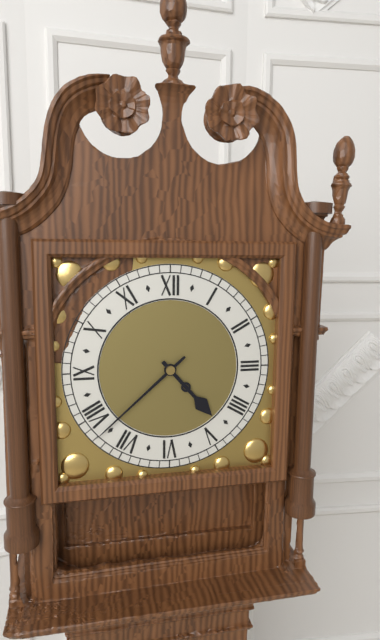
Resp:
**4:38**
